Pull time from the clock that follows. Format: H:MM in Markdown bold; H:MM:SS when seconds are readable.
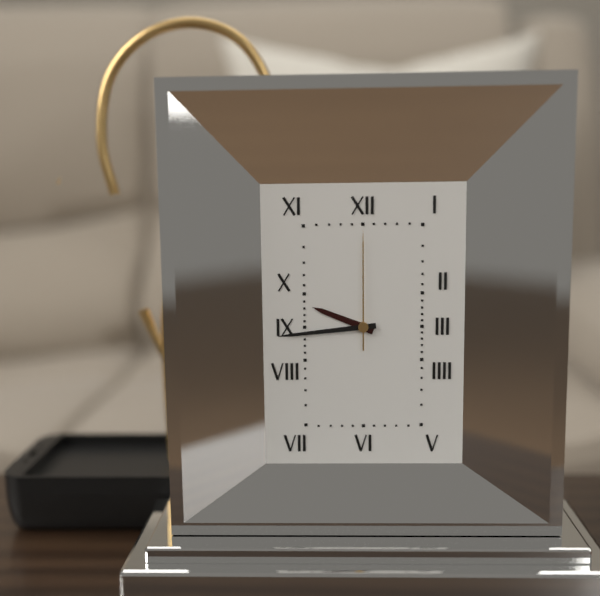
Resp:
**9:44:00**
